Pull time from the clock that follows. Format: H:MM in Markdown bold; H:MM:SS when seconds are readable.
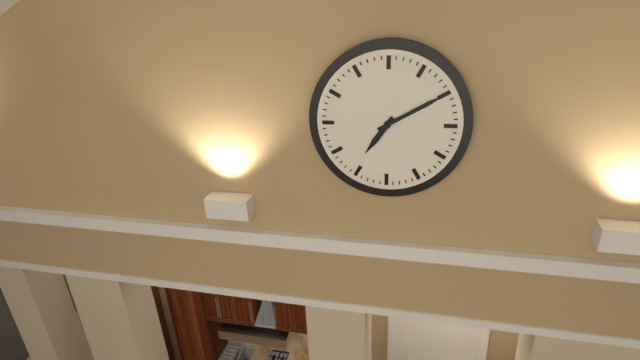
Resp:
**7:10**
